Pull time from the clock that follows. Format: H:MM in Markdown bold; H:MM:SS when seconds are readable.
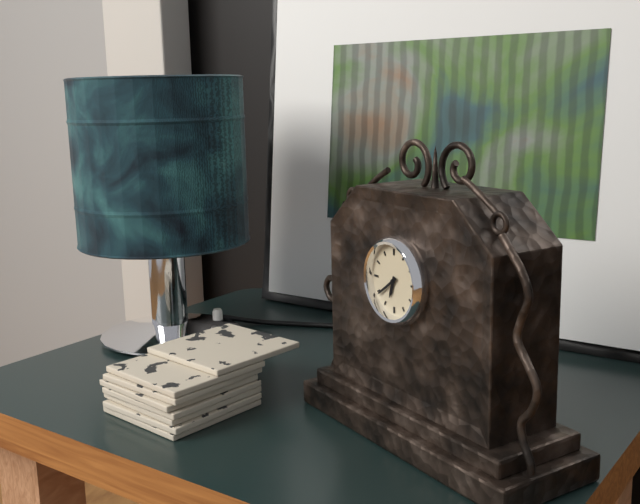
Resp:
**6:39**
